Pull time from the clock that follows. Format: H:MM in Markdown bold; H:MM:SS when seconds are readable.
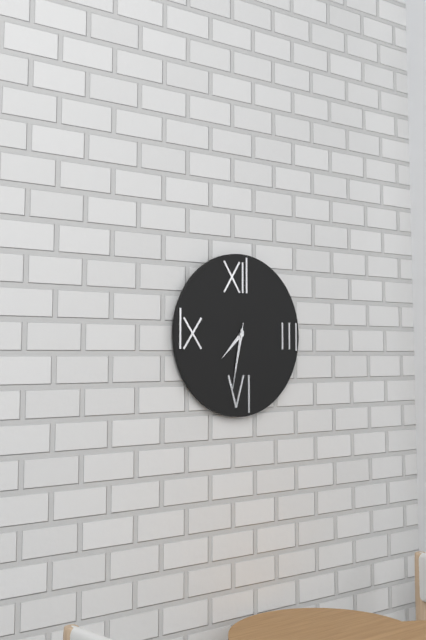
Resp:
**7:32:32**
